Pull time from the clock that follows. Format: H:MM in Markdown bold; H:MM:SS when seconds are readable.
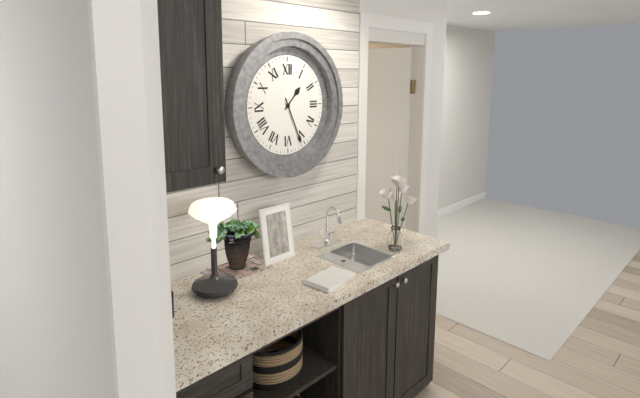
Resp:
**1:26**
